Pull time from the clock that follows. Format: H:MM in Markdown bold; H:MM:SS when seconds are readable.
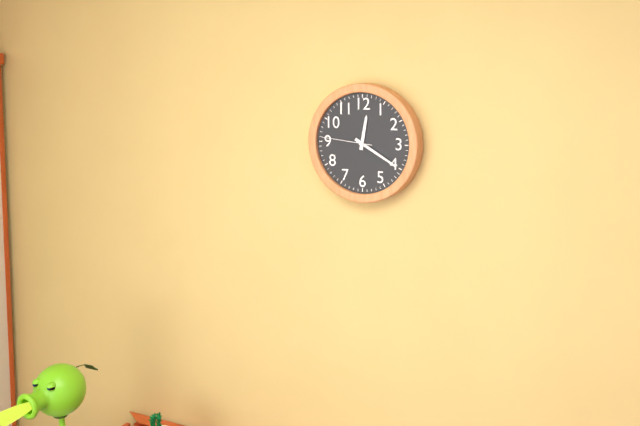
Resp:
**12:20:46**
